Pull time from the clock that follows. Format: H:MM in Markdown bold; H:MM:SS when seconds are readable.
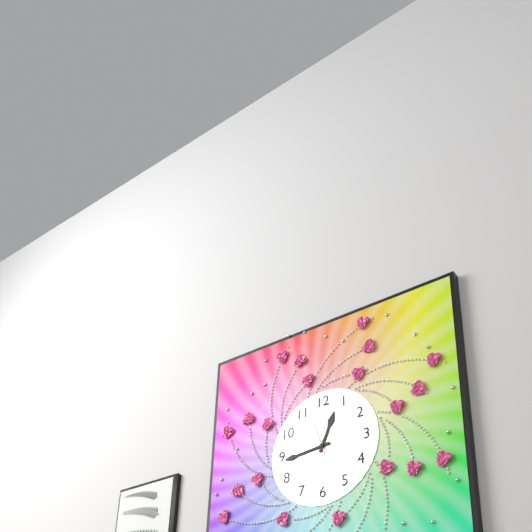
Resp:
**12:44:57**
